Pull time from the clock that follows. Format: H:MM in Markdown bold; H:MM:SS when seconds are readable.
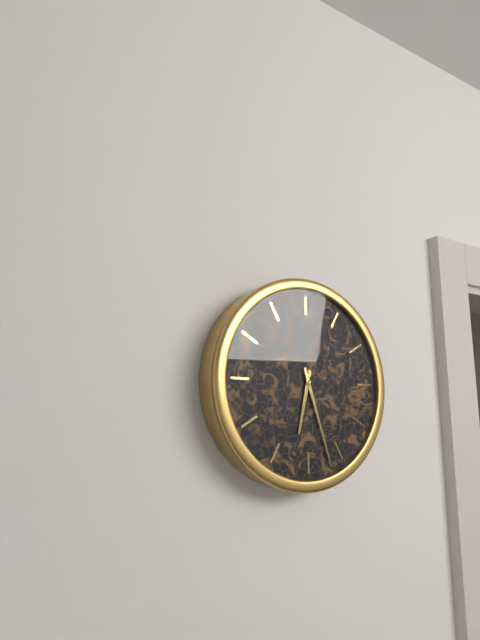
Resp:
**6:27**
